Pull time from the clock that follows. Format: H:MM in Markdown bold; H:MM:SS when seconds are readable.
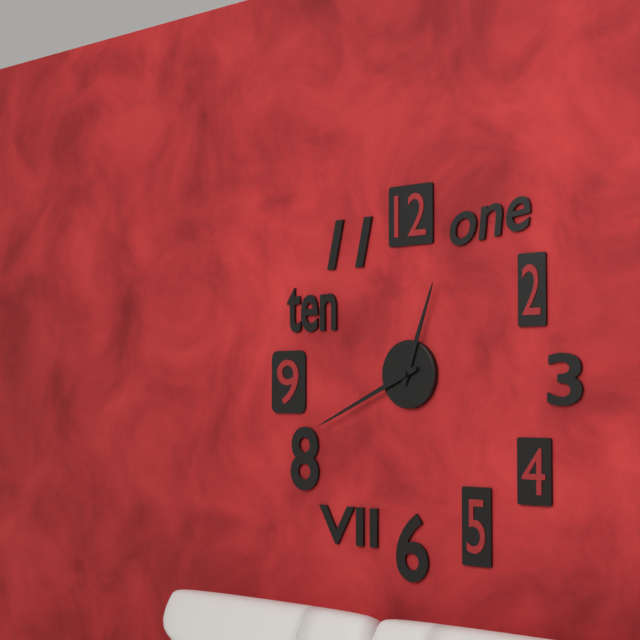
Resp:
**12:41**
